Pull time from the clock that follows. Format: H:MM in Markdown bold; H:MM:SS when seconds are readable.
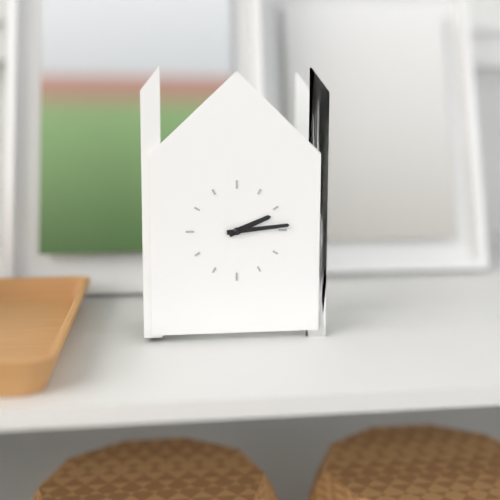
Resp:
**2:14**
